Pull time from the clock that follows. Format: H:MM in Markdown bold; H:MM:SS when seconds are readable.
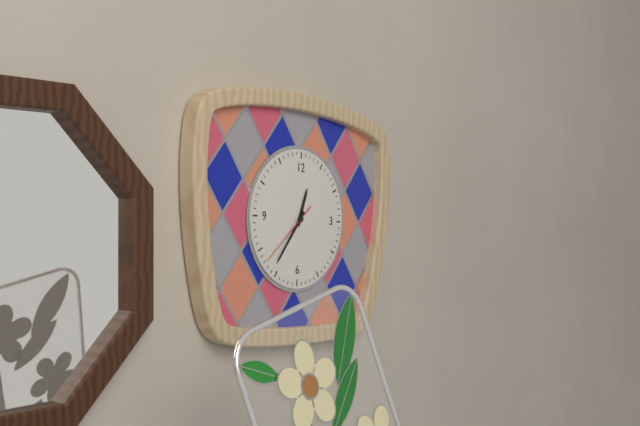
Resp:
**12:36:38**
